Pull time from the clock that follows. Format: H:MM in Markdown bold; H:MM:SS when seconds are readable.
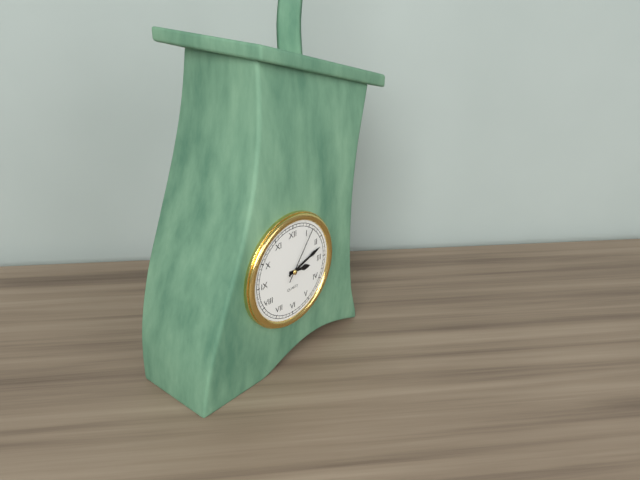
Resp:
**3:12:06**
